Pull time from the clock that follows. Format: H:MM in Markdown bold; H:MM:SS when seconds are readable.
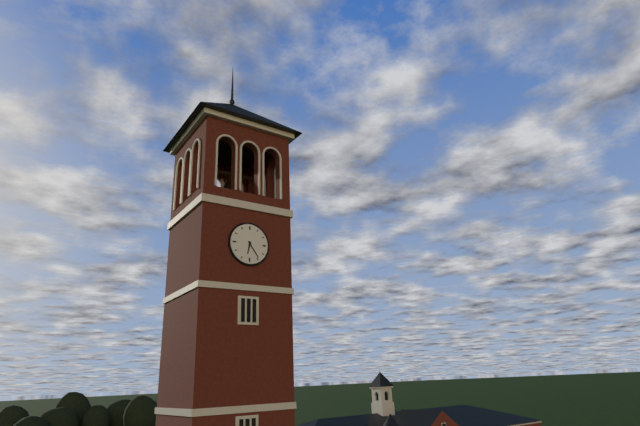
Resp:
**6:24**
